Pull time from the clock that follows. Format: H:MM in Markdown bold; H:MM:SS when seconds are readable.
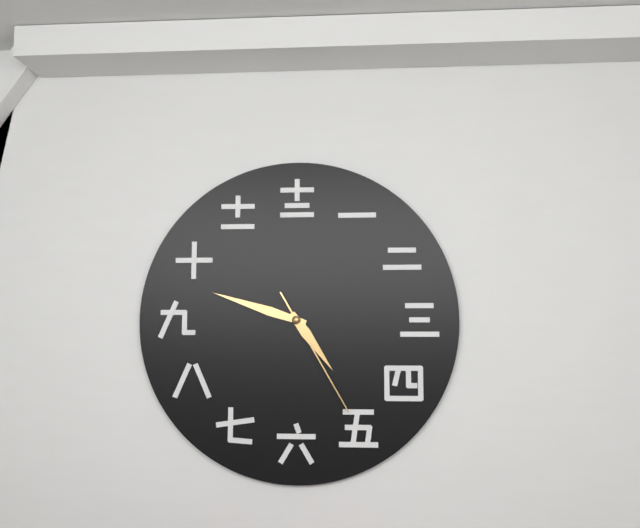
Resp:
**4:48:25**
